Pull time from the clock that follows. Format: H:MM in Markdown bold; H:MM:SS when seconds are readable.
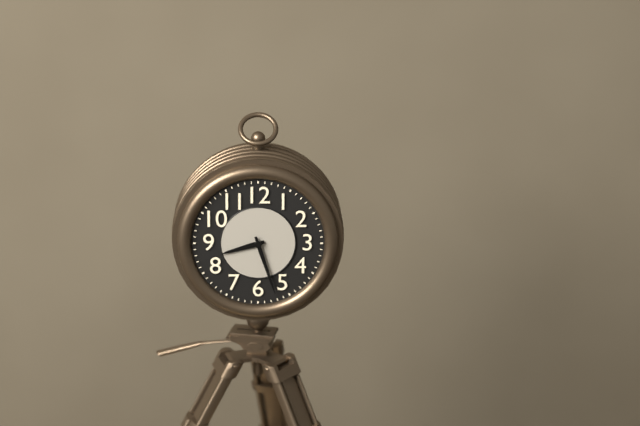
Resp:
**8:27**
